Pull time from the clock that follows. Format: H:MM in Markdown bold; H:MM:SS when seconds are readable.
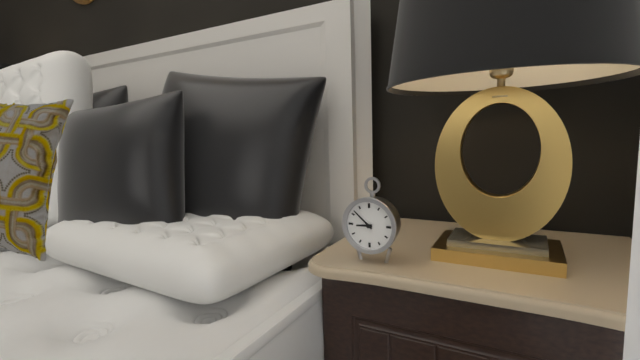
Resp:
**8:52**
